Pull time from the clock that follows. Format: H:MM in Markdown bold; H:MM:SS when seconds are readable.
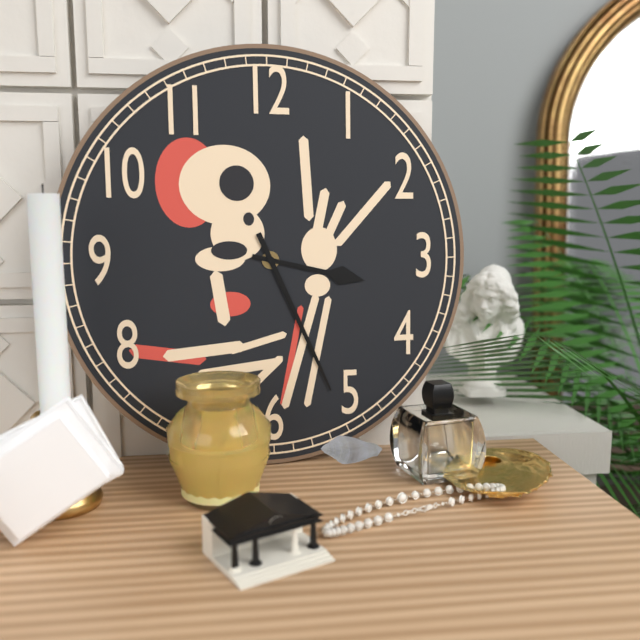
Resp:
**3:26**
